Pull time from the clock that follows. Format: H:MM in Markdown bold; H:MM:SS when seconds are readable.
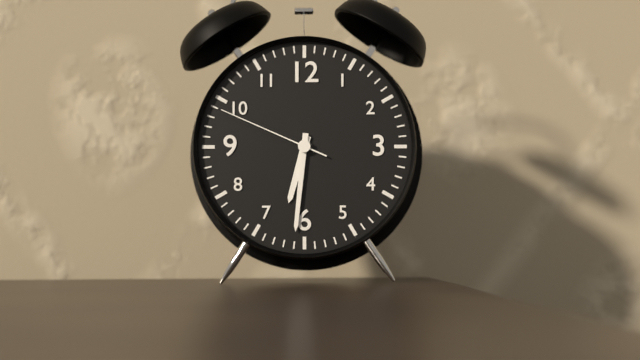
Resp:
**6:31:49**
